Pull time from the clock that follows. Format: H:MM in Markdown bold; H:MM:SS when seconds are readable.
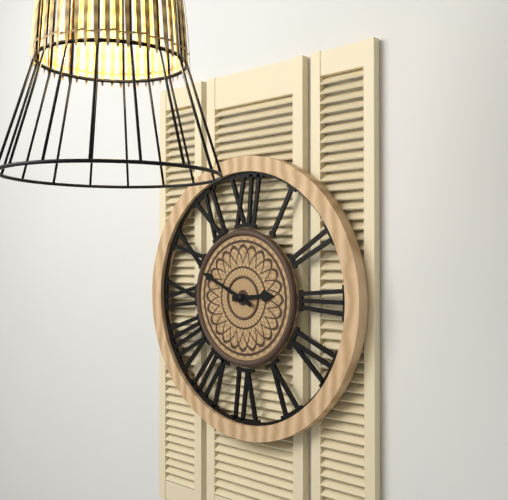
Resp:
**2:49**
